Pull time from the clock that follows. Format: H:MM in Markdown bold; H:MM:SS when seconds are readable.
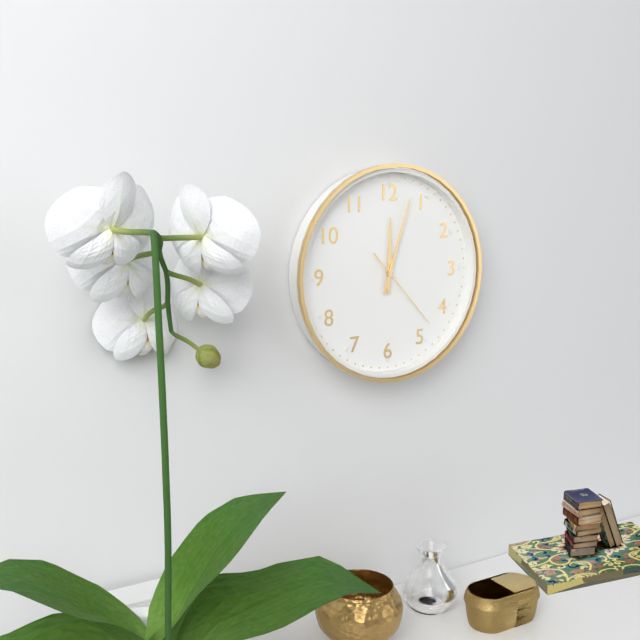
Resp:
**12:03:23**
